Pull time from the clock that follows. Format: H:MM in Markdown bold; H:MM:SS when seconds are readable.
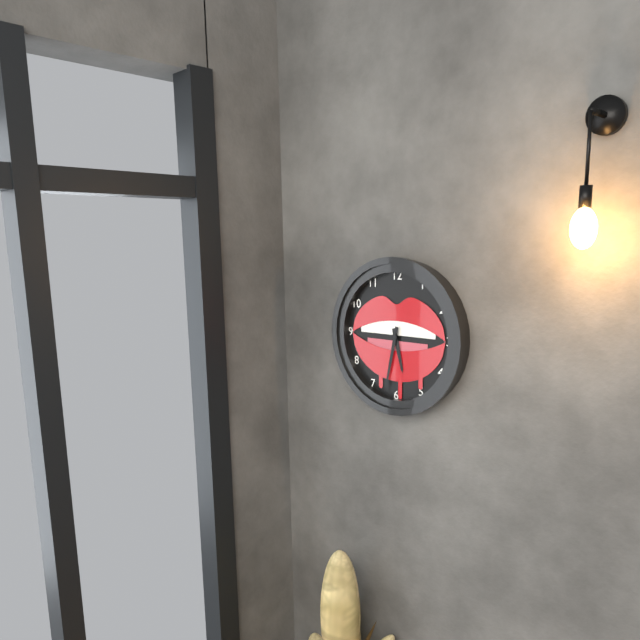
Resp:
**5:32**
